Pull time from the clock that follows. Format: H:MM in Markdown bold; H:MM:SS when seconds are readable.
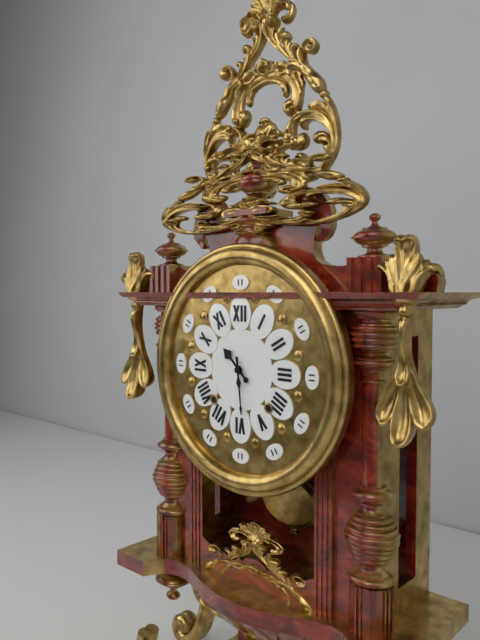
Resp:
**10:29**
